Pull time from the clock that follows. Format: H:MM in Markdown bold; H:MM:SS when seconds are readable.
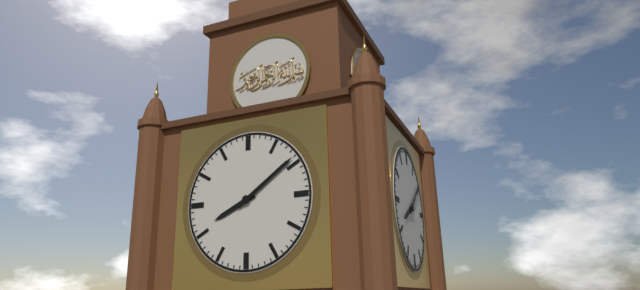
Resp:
**8:09**
